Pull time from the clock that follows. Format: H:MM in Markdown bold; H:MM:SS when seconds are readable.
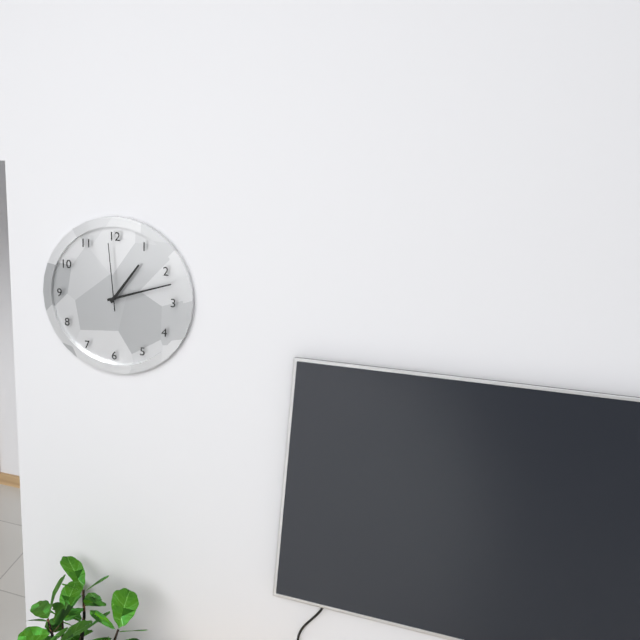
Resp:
**1:12:59**
